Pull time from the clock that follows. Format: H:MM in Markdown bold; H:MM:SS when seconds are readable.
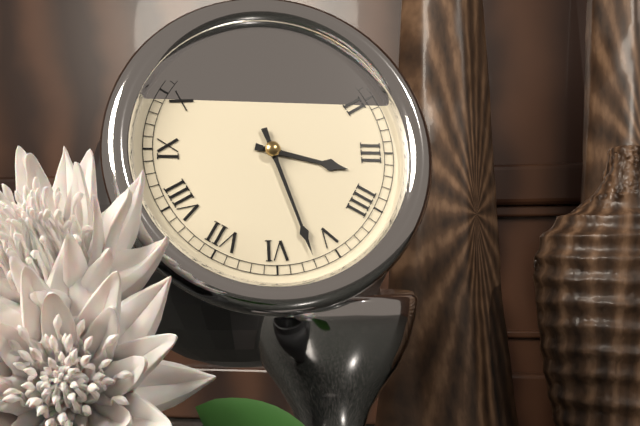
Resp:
**3:27**
